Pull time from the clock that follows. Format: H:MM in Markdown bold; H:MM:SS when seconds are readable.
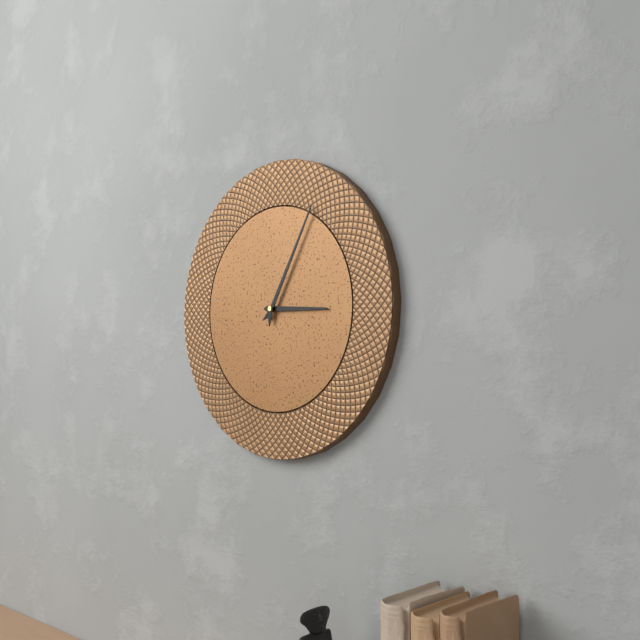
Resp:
**3:05**
